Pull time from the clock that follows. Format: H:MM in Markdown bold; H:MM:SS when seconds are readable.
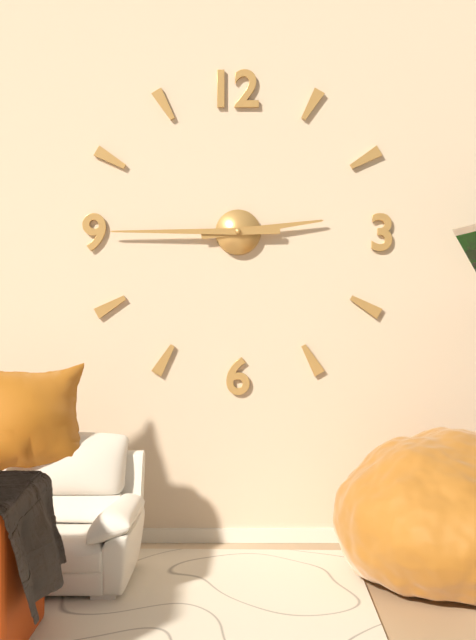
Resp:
**2:45**
